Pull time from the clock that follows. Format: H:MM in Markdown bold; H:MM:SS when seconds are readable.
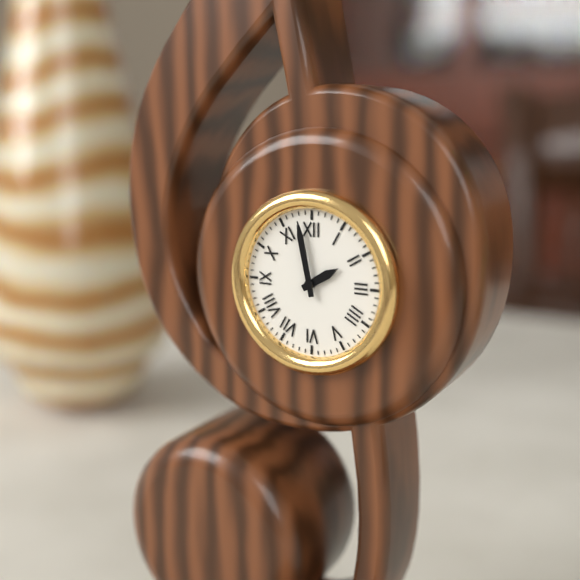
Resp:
**1:58**
